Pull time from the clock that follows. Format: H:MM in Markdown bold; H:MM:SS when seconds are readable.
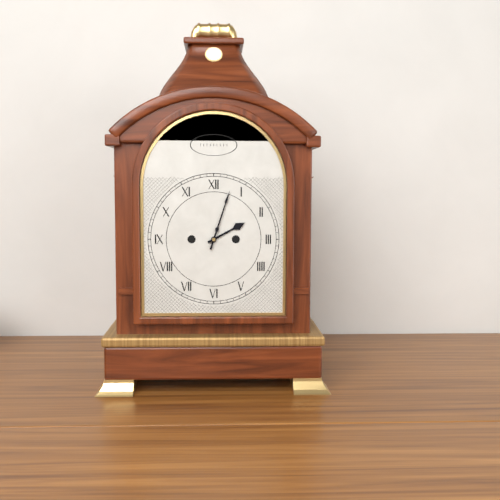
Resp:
**2:03**
